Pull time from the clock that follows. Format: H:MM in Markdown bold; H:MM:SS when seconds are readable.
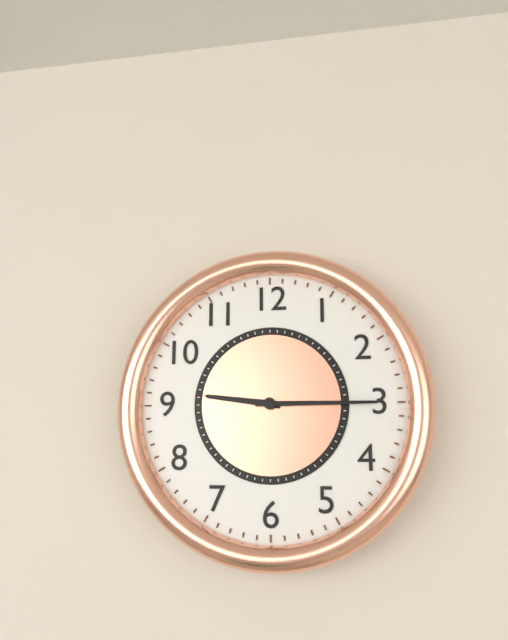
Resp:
**9:15**
